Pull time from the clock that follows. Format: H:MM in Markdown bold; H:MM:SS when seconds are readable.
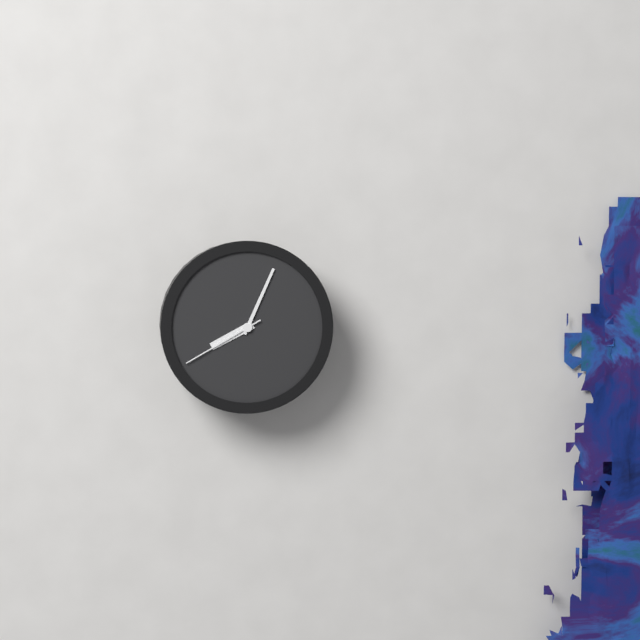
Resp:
**8:04:40**
